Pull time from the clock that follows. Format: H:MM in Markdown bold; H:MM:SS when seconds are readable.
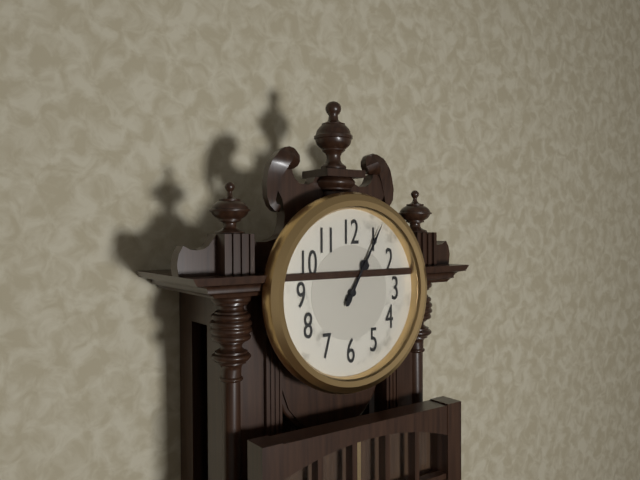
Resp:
**1:05**
